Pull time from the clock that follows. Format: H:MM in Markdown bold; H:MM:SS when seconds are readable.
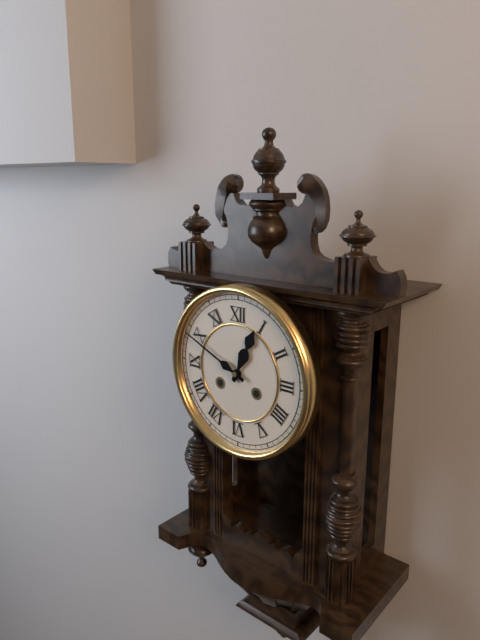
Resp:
**12:49**
